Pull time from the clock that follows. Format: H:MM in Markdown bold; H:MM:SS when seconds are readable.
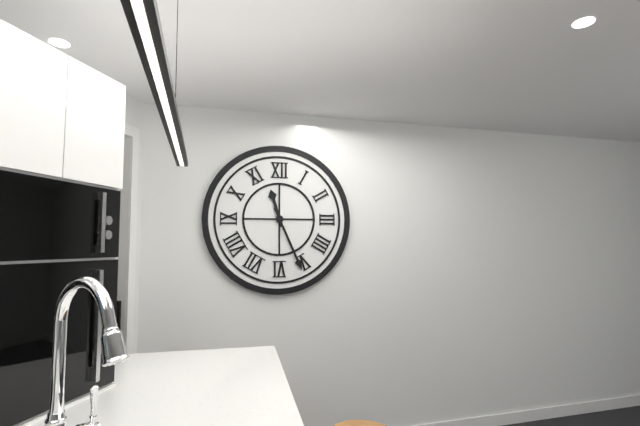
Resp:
**11:26**
